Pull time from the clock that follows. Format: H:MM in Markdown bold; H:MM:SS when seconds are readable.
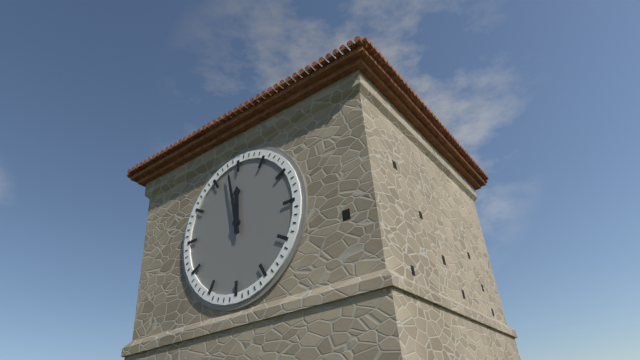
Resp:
**11:58**
